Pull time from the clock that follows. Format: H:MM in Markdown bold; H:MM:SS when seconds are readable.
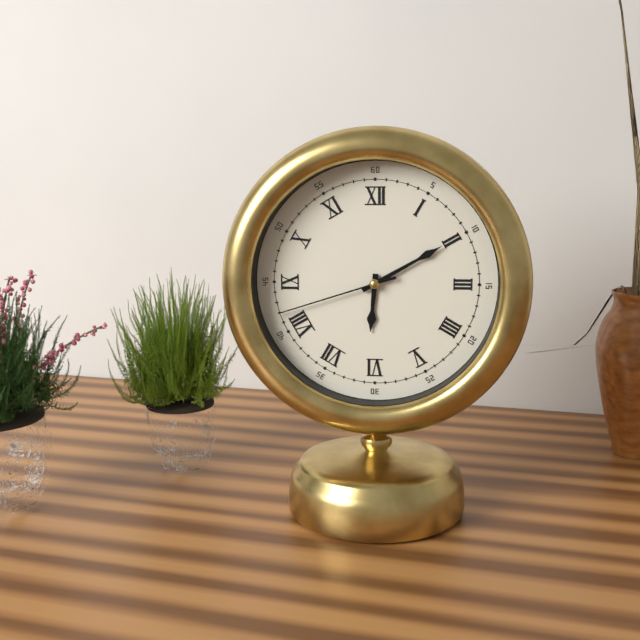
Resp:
**6:10:42**
